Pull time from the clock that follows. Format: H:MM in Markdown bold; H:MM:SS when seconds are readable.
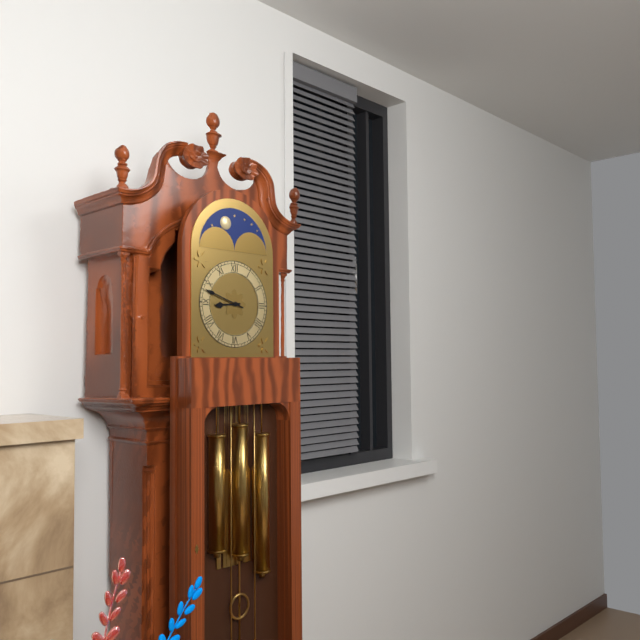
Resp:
**8:48**
